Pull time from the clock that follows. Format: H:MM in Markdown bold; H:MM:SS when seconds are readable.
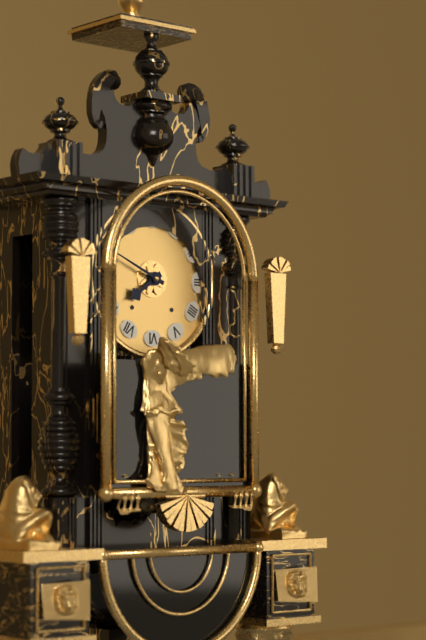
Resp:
**7:49**
